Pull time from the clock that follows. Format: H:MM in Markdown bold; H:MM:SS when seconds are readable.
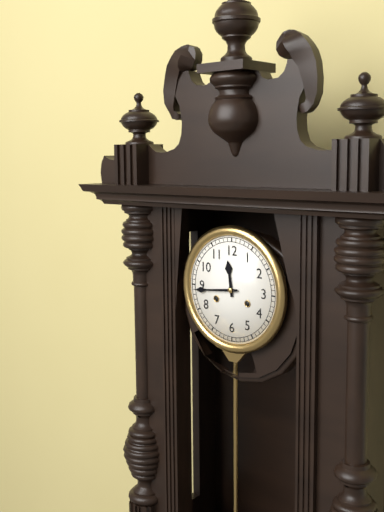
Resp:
**11:44**
